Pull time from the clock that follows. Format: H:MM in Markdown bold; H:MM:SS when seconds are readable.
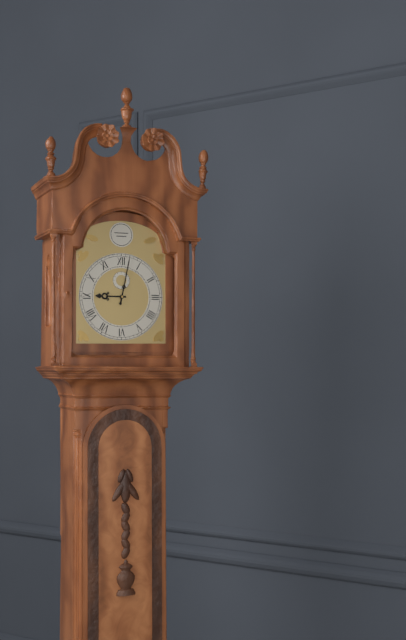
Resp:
**9:02**
